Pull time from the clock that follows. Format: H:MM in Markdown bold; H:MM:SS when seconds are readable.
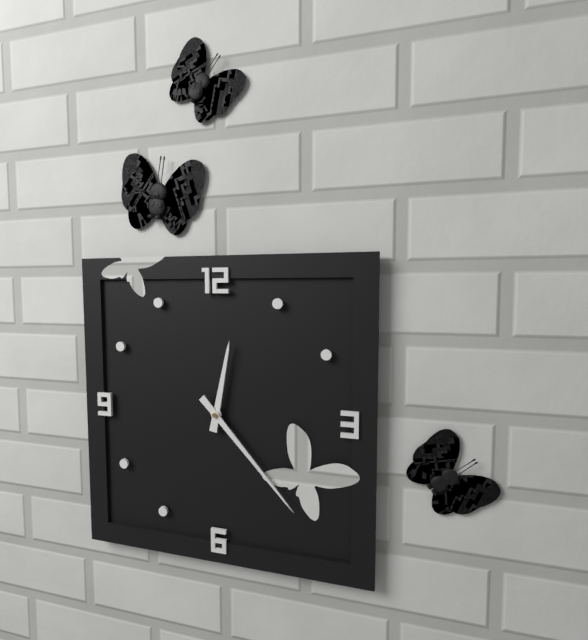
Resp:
**12:23**
